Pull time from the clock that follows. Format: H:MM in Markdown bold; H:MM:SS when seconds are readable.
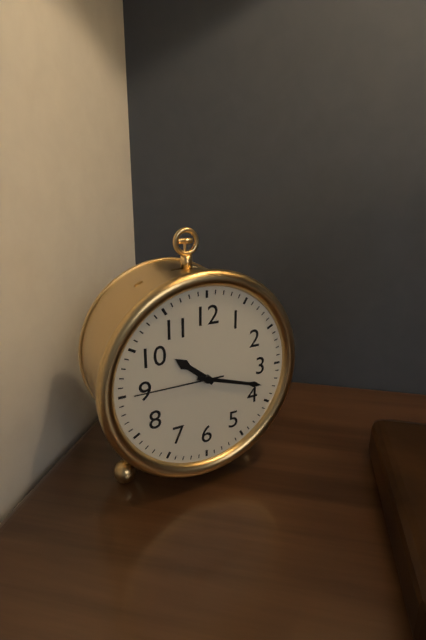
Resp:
**10:18:45**
